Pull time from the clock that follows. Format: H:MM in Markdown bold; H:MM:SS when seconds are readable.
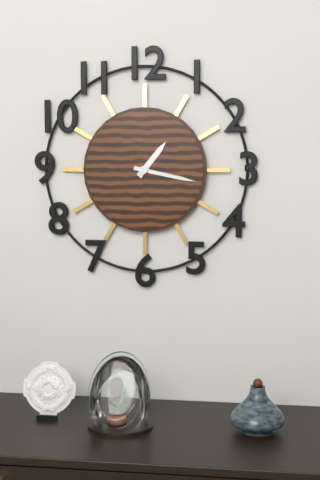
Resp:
**1:17**
